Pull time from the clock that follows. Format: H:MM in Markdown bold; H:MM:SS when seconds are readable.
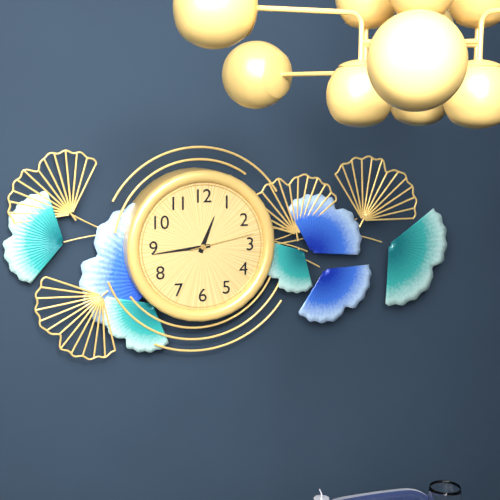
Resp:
**12:44:13**
